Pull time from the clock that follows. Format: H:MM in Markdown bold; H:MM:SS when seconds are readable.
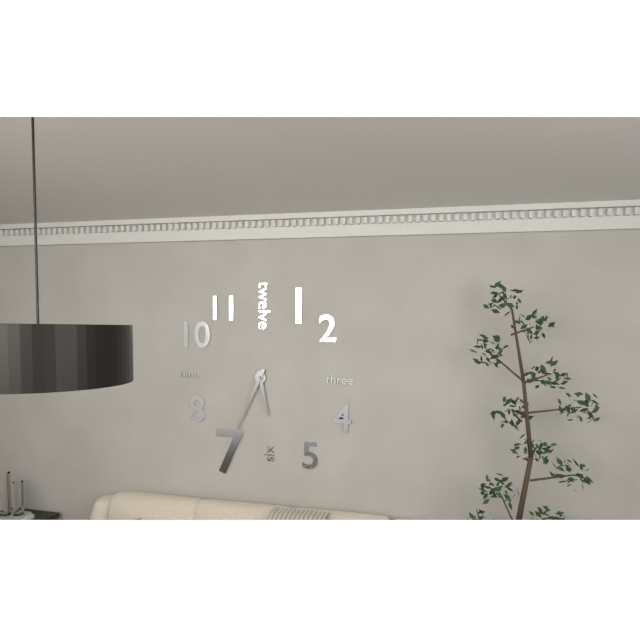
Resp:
**5:34**
